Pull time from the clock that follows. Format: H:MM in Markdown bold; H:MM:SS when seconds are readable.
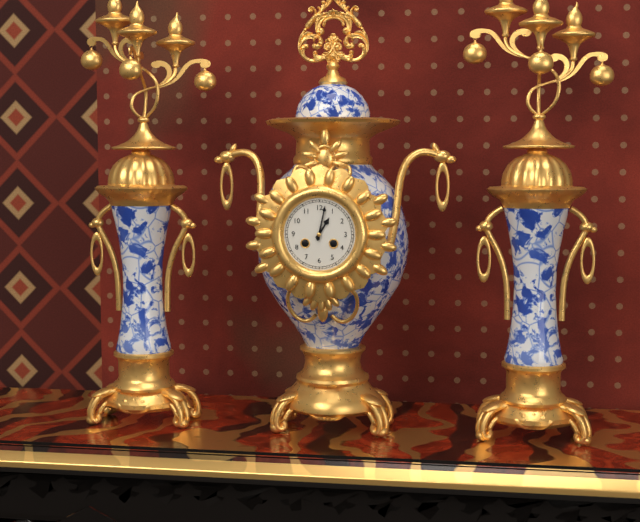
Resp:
**1:02**
